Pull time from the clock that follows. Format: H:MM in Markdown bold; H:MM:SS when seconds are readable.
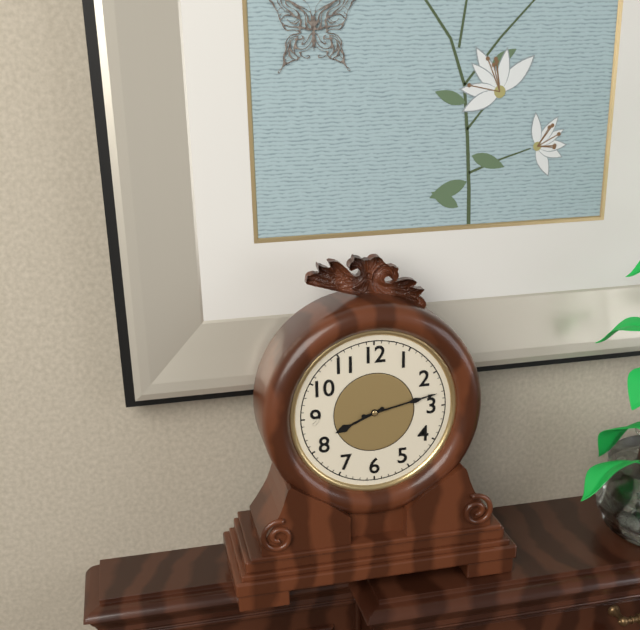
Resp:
**8:13**
